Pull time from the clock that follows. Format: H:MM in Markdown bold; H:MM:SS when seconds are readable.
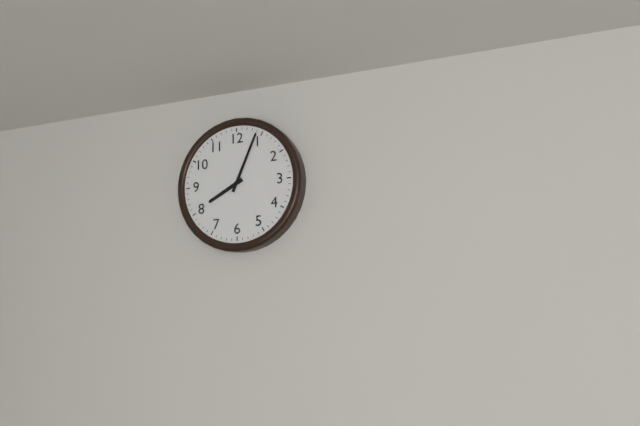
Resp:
**8:04**
